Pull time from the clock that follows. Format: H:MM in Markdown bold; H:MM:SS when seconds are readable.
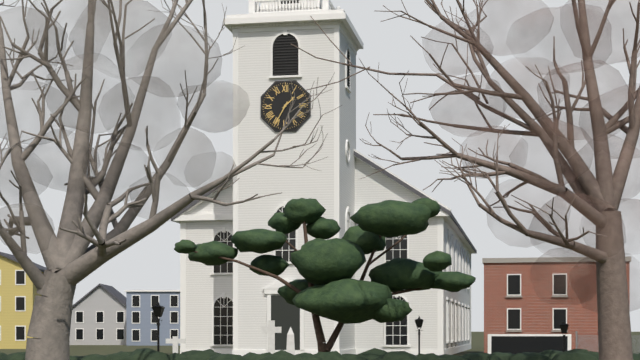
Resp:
**1:35**
